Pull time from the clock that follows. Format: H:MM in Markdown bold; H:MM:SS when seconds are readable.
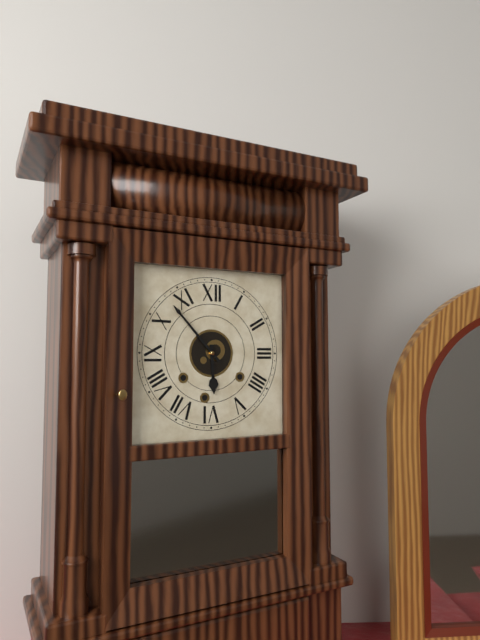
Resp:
**5:53**
